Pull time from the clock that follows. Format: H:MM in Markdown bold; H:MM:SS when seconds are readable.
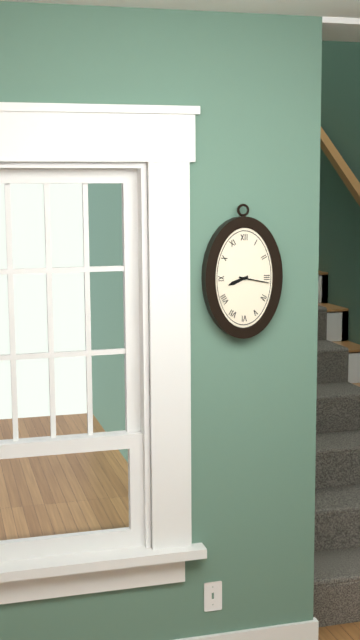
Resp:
**8:17**
